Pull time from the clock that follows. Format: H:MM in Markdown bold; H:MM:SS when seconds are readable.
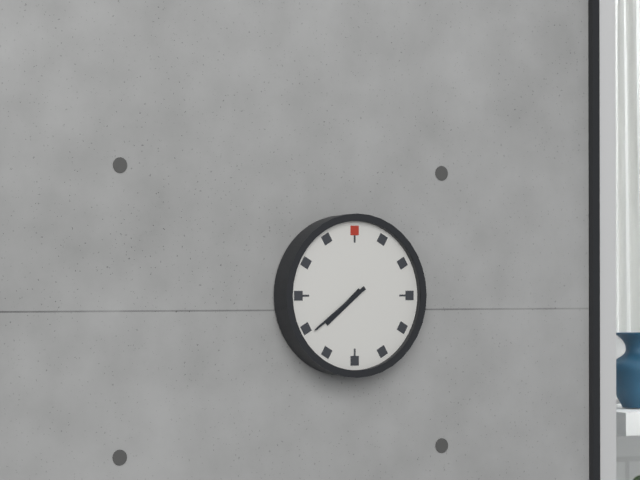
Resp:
**7:39**
